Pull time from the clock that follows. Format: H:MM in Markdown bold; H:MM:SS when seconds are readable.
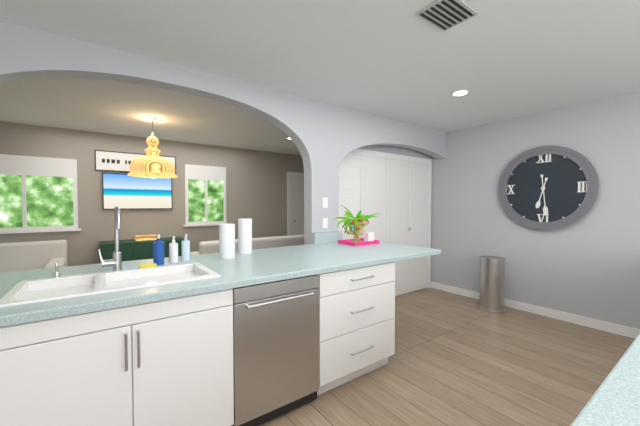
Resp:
**6:29**
